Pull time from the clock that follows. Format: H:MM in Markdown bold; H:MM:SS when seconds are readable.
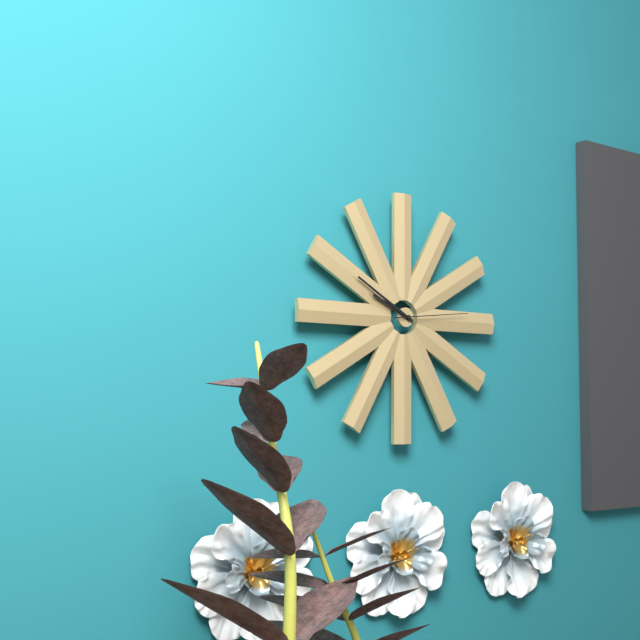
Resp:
**9:50:14**
